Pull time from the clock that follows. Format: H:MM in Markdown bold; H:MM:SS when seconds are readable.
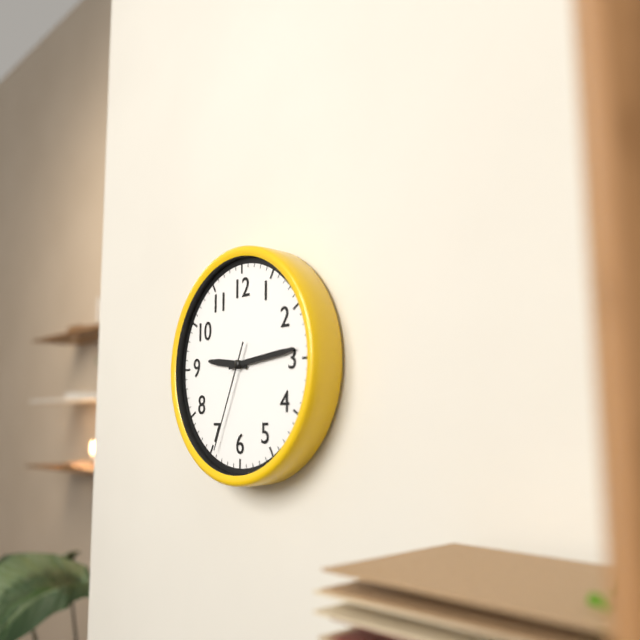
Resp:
**9:14:34**
